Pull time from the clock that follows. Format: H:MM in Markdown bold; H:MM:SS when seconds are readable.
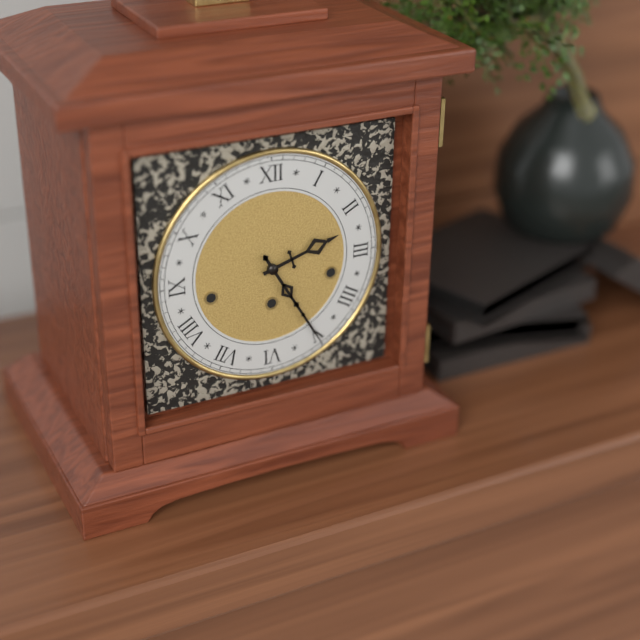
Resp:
**2:25**
